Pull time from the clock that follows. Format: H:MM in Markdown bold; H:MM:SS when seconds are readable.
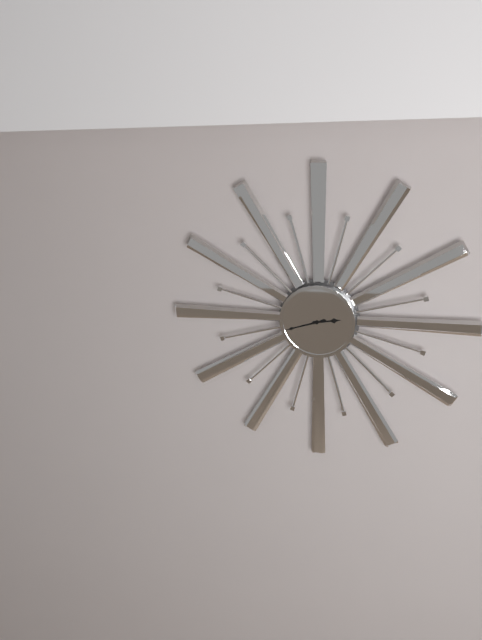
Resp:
**2:42**
